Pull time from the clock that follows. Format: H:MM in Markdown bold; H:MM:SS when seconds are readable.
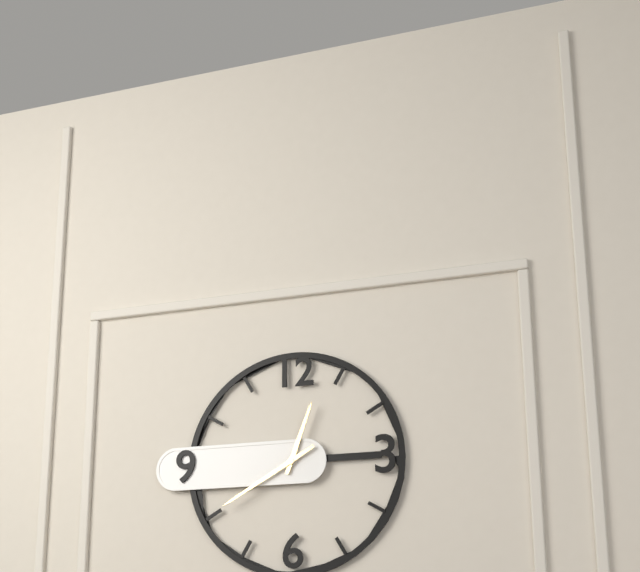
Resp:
**12:40**
